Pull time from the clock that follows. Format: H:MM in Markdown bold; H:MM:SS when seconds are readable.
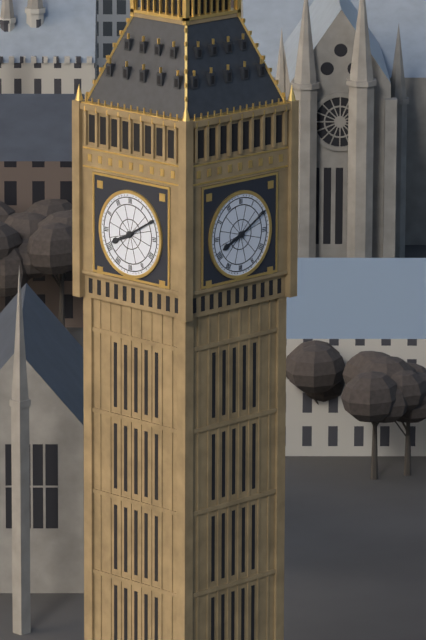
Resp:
**8:10**
